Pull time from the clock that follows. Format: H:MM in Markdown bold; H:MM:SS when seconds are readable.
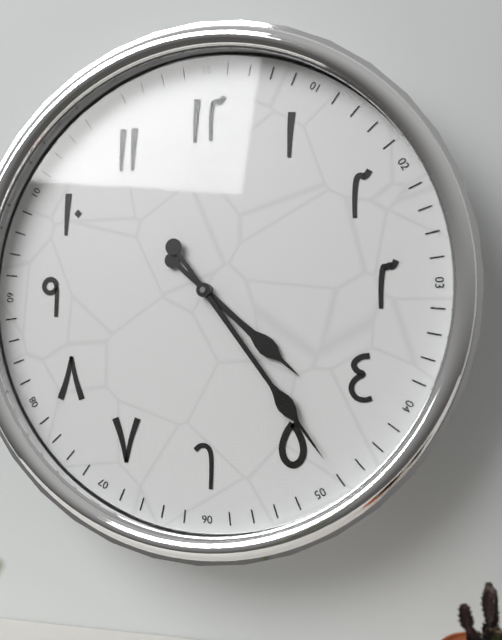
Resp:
**4:24**
